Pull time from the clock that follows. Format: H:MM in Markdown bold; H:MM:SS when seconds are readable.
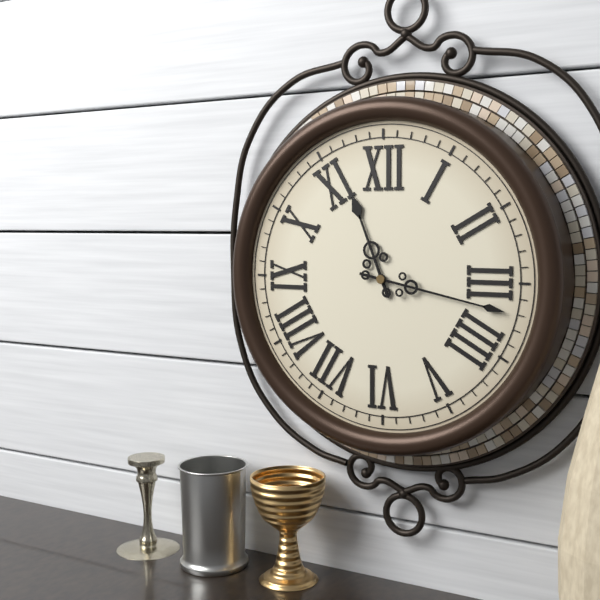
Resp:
**11:17**
